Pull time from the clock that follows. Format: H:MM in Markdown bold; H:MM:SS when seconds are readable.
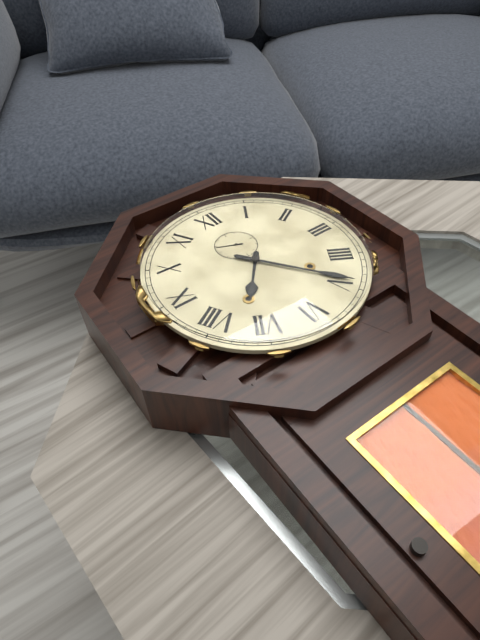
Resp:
**7:24:49**
